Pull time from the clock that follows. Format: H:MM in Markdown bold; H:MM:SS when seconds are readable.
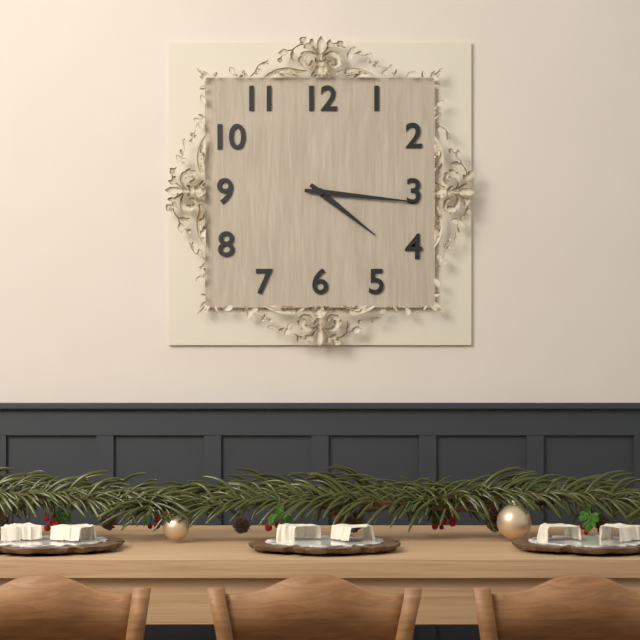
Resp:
**4:16**
